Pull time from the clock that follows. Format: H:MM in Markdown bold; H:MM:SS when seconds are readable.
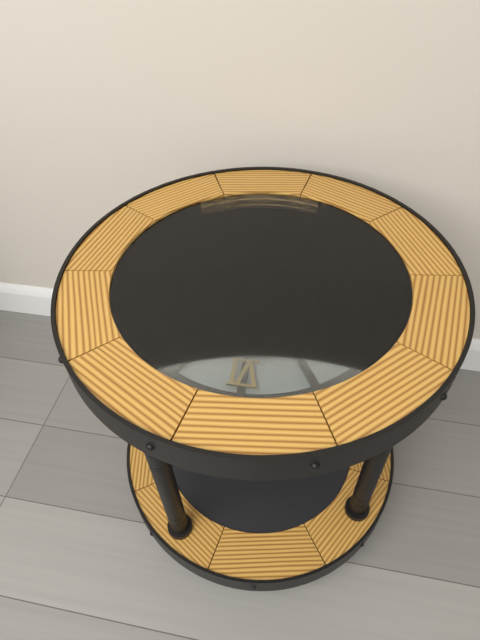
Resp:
**7:12**
